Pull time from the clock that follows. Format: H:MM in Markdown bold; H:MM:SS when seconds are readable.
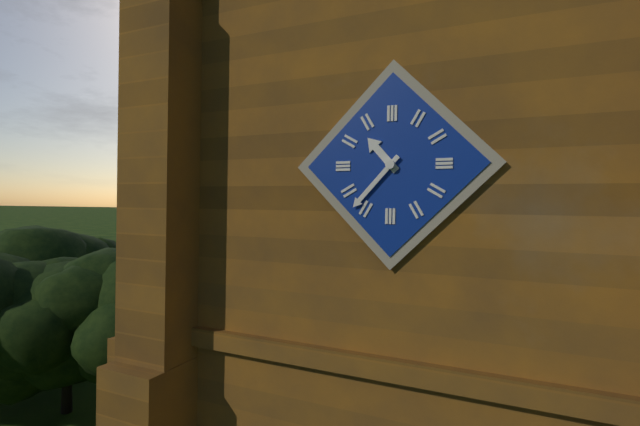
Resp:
**10:37**
